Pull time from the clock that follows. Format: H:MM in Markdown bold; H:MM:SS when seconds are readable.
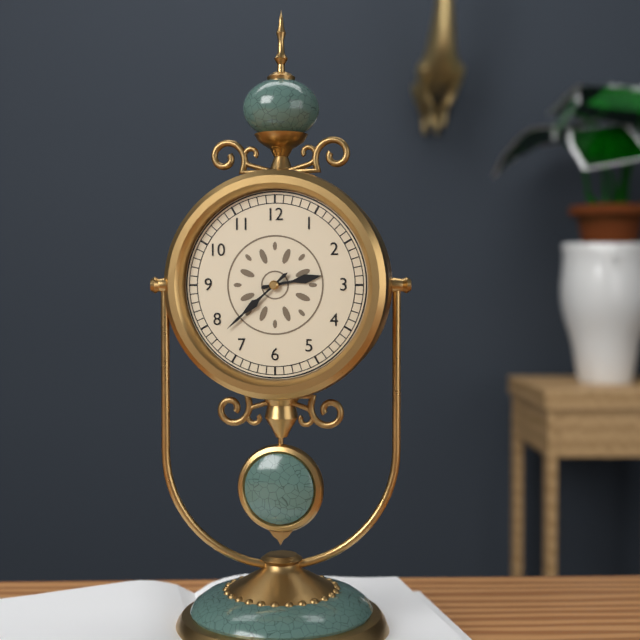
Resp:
**2:38**
